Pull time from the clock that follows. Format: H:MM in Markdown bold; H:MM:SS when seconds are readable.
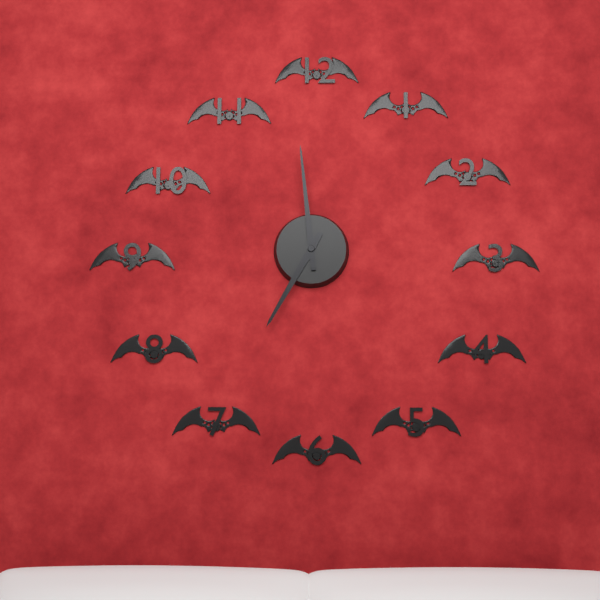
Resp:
**6:59**
